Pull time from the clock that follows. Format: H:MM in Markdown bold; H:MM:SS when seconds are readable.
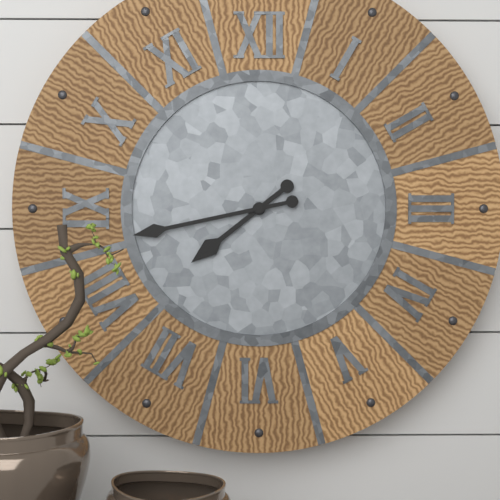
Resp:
**7:43**
